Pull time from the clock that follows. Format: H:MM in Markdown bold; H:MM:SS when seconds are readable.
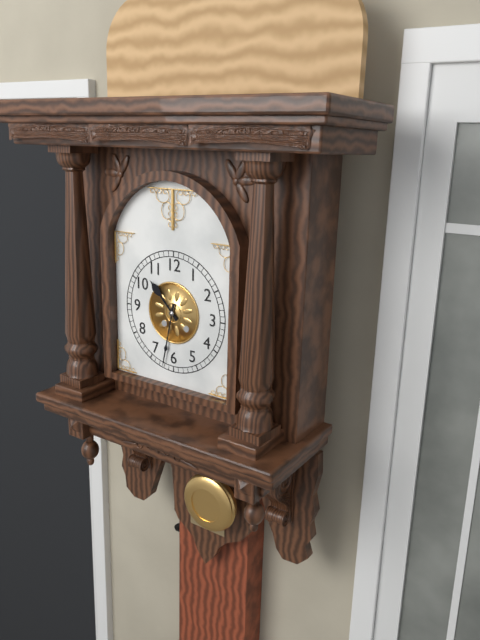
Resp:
**10:32**
